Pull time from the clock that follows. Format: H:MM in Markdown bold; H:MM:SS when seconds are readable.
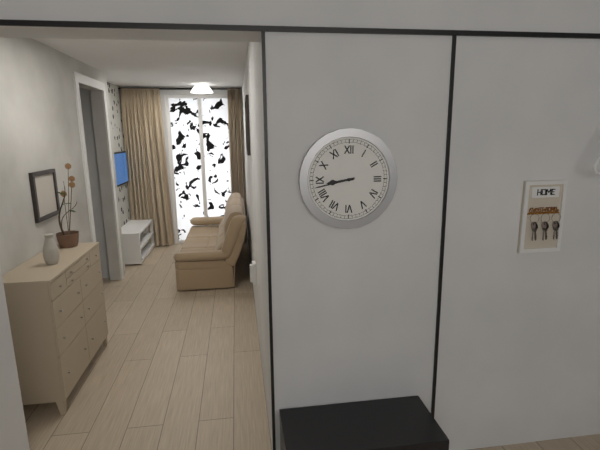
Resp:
**8:43**
